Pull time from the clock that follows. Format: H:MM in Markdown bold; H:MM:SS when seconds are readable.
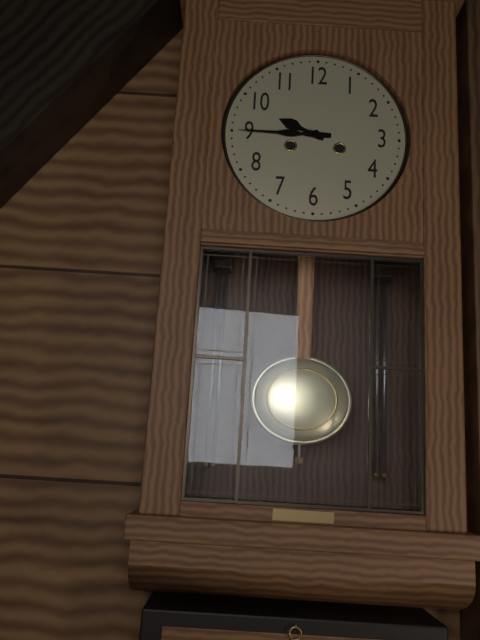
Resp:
**9:45**
